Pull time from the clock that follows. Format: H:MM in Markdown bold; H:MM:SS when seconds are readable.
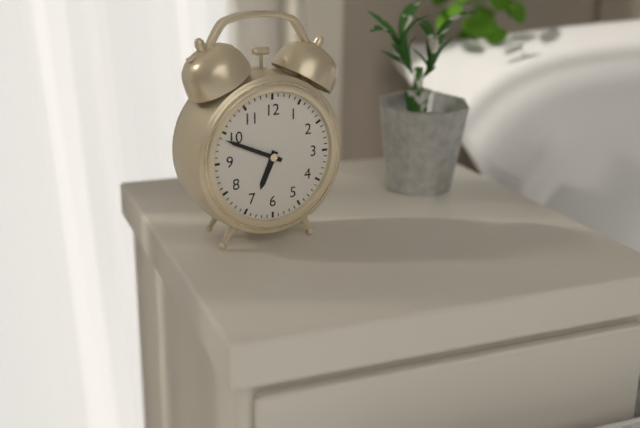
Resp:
**6:49**
